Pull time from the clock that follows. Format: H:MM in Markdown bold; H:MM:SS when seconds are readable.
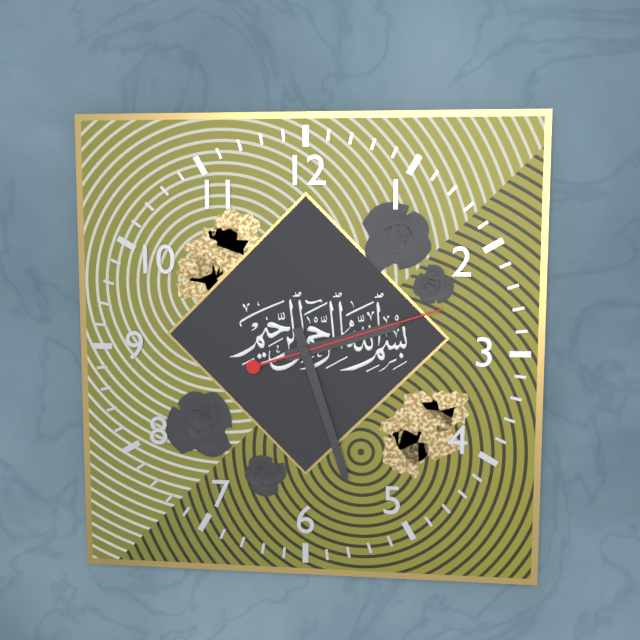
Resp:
**2:27:12**
